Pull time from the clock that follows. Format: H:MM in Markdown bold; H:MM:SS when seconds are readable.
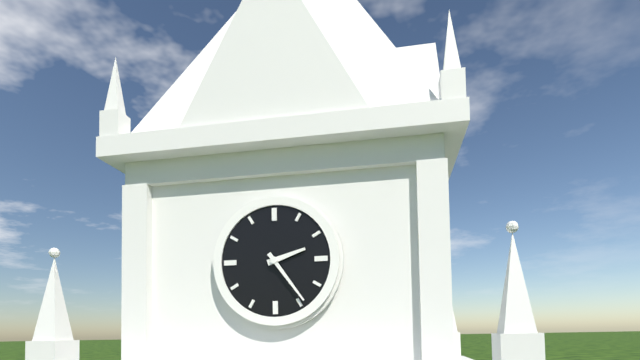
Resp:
**2:24**
